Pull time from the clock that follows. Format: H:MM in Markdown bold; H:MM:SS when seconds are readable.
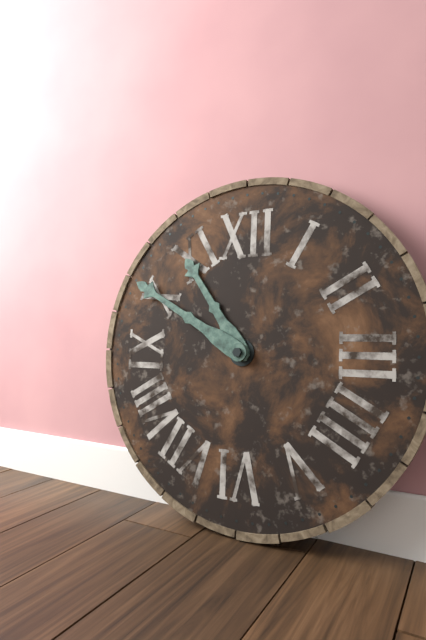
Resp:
**10:50**
